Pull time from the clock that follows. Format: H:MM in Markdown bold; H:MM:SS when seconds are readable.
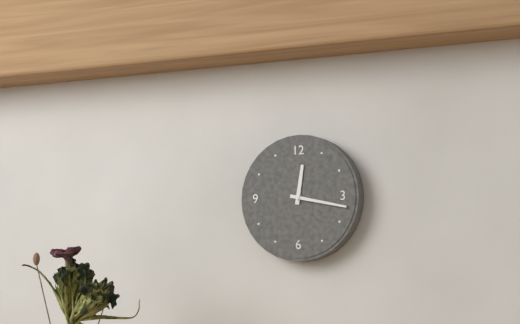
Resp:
**12:17**
